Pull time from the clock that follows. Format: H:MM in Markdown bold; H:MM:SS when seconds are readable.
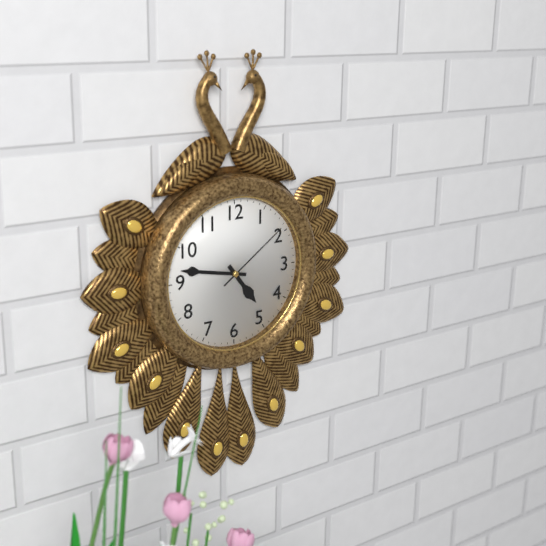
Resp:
**4:47:09**
